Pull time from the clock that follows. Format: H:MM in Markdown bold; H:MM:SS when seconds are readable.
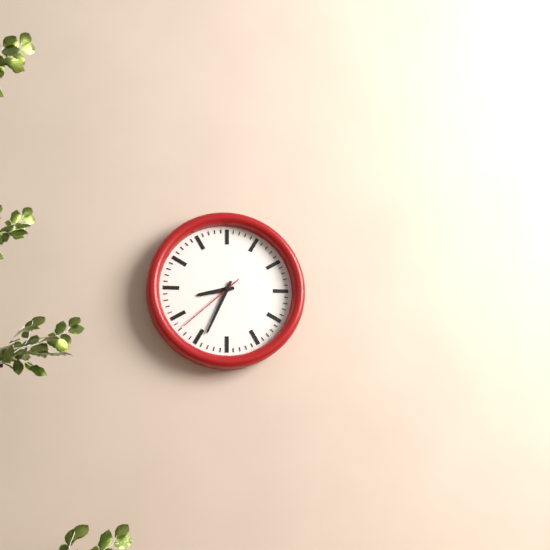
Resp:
**8:34:38**
